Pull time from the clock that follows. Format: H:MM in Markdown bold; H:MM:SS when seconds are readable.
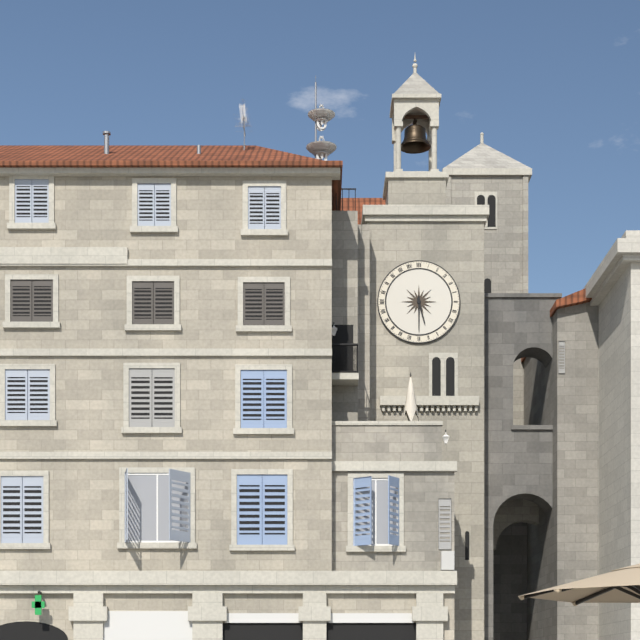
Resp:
**5:30**
